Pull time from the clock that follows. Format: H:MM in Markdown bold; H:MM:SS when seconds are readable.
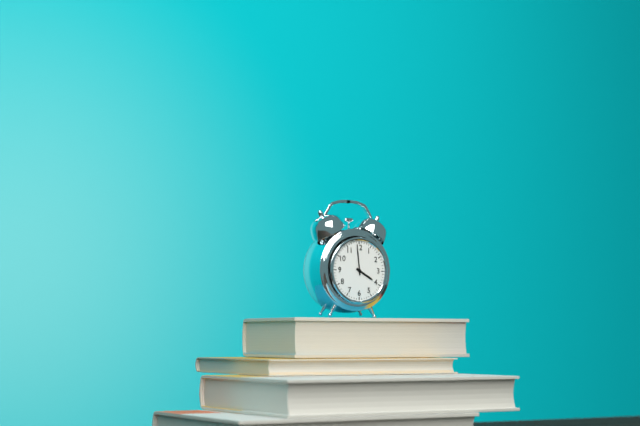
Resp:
**3:59**
